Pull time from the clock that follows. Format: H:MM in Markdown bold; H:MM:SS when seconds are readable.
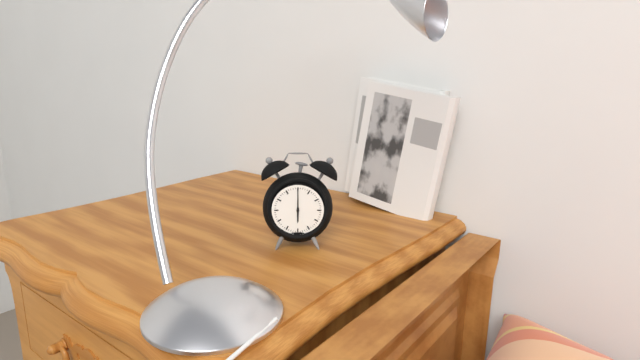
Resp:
**6:00**
